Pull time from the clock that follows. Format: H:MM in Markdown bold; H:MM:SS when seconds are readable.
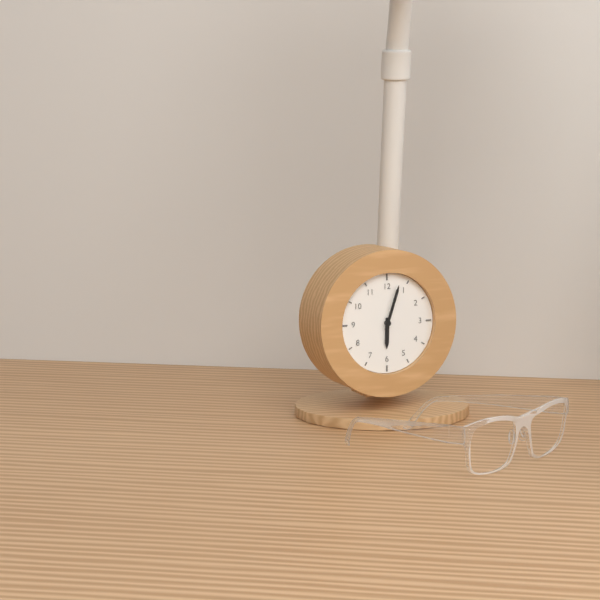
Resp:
**6:03**
